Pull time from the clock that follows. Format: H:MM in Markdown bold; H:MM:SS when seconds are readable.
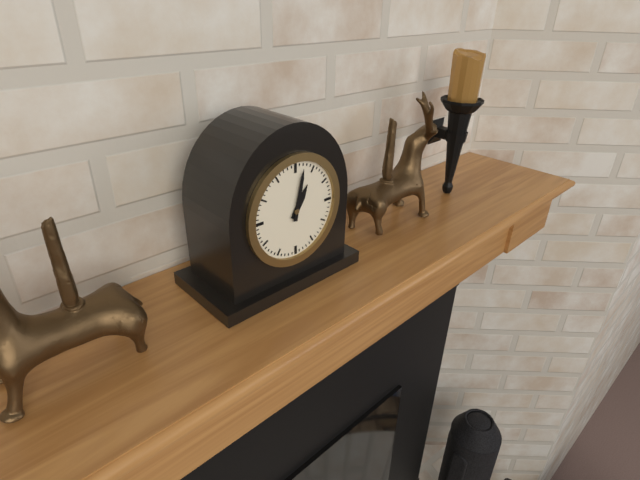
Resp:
**1:02**
